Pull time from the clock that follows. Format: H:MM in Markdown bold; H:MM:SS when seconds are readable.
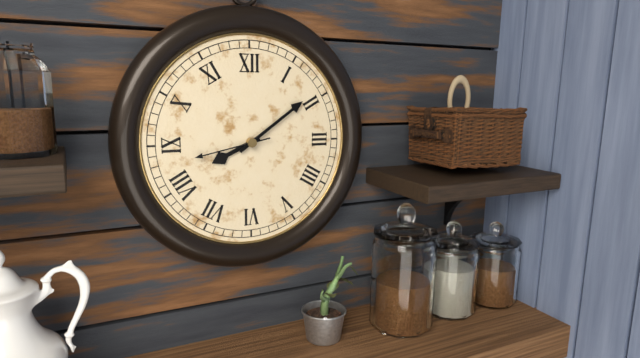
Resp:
**8:09:43**
